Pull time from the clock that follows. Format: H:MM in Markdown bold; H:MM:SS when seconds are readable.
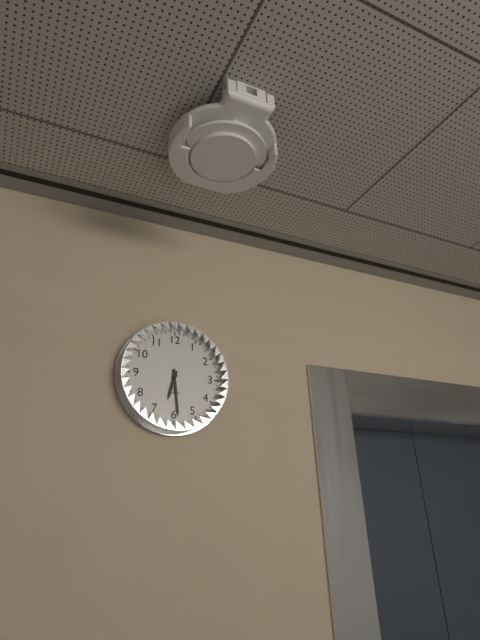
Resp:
**6:29**
